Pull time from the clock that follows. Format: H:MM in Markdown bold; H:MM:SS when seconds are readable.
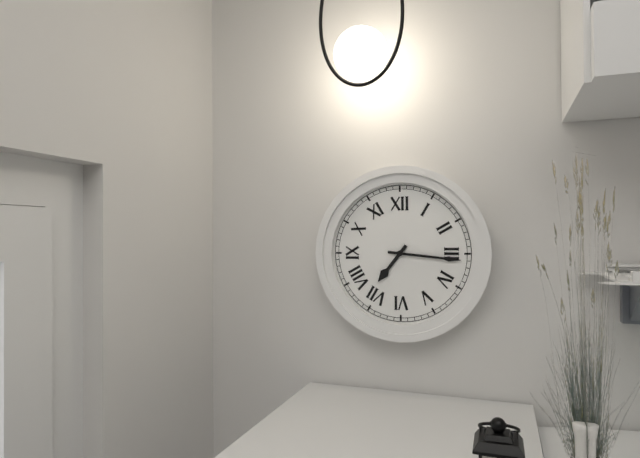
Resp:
**7:16**
